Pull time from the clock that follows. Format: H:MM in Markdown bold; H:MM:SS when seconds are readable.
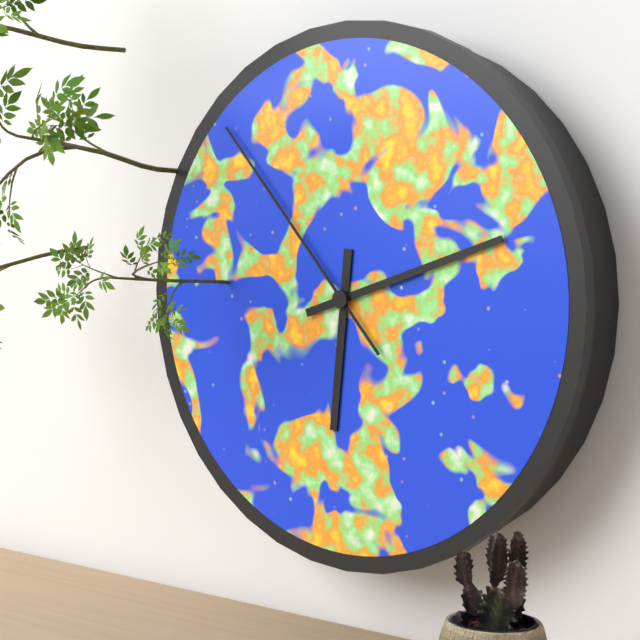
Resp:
**6:12:53**
